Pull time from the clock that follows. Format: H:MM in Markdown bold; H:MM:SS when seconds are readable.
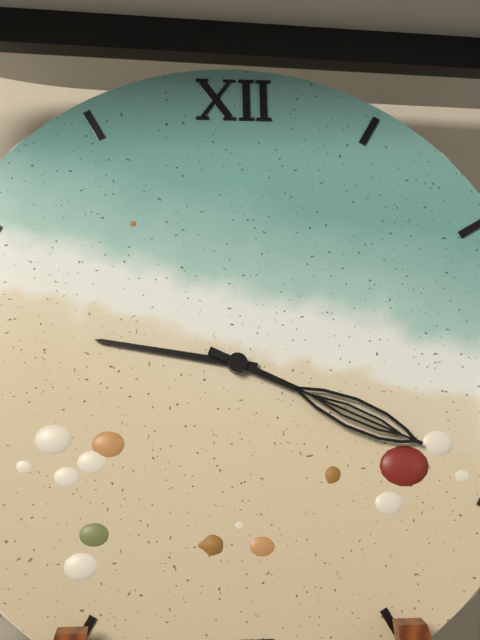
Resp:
**9:19**
